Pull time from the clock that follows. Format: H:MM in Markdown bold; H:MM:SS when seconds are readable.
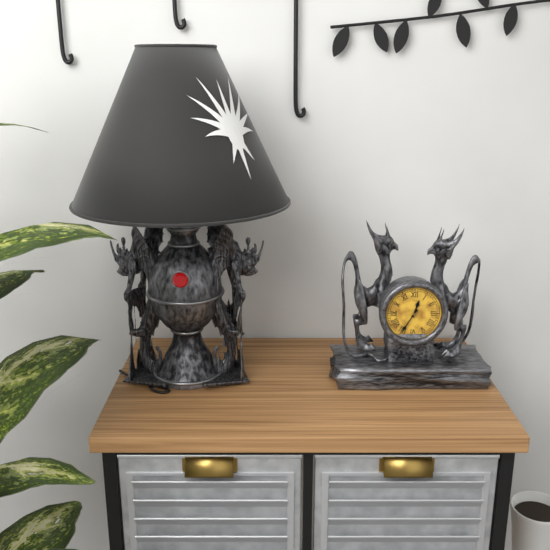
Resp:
**12:35**
